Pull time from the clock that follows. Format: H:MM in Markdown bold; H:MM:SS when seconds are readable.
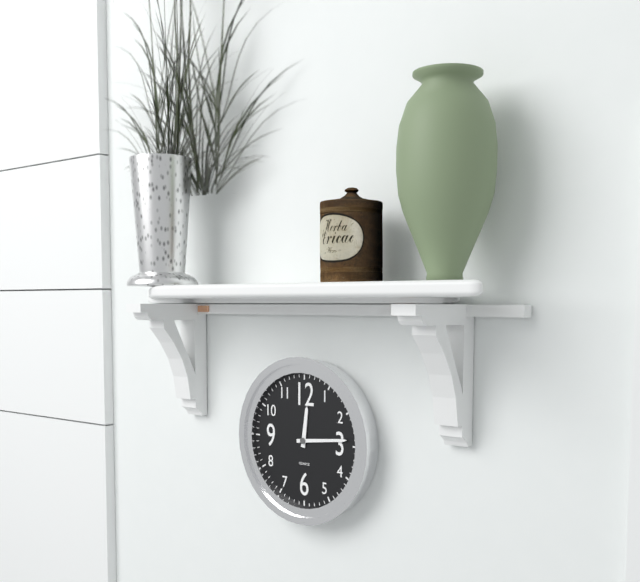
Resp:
**12:14**
